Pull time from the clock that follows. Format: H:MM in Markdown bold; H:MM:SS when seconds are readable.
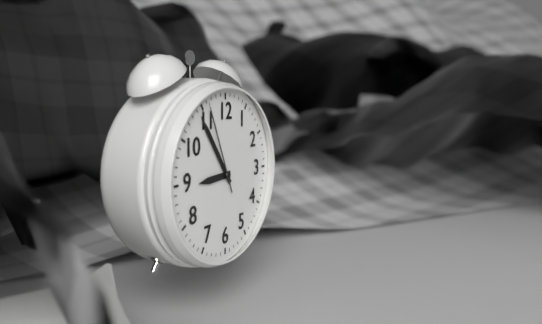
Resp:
**8:54:56**
